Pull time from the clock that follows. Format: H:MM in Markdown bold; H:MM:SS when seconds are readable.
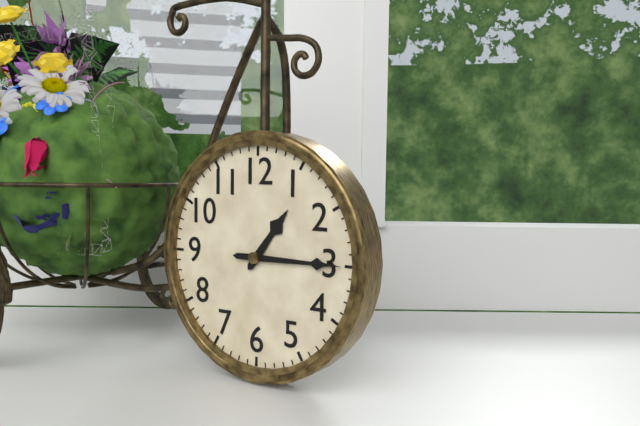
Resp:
**1:15**
